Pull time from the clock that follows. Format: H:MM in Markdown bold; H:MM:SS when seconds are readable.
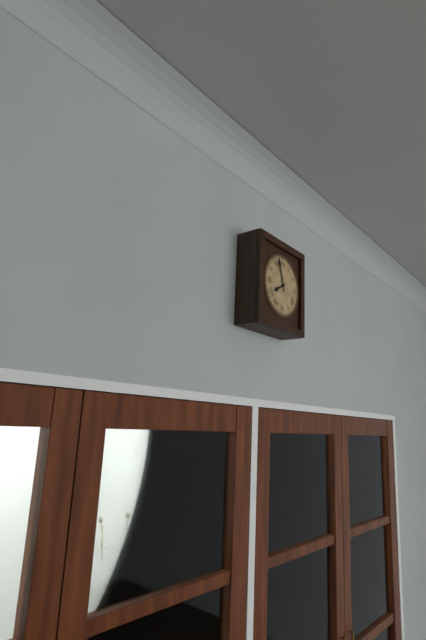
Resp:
**7:57**
